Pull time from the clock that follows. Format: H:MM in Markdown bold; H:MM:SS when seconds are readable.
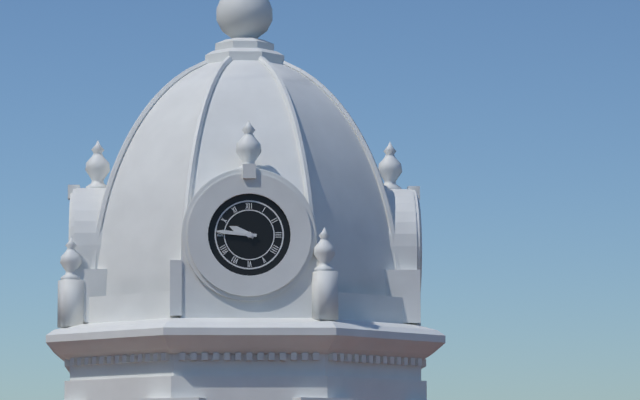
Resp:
**9:46**
